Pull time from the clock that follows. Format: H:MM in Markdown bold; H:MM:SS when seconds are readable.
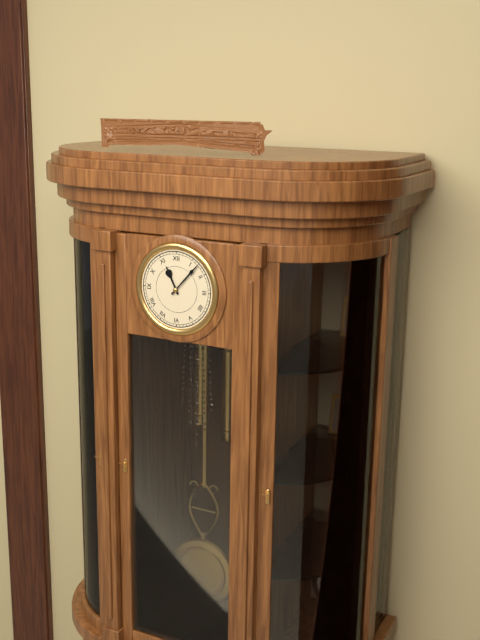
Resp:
**11:07**
